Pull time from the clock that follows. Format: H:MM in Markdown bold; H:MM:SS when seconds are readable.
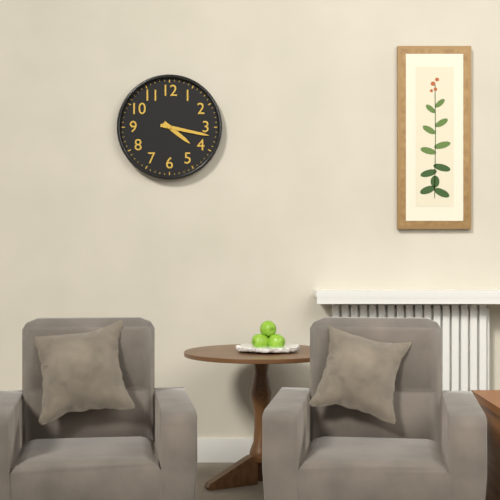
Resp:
**4:17**
